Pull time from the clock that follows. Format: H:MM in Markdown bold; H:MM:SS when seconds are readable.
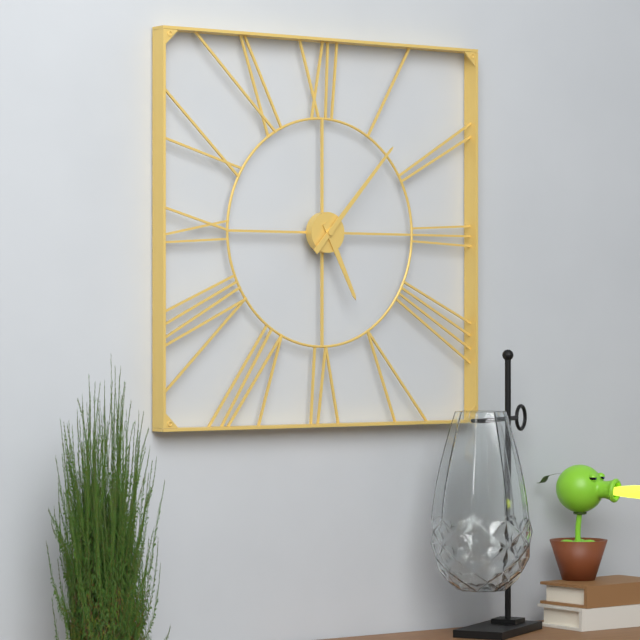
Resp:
**5:07**
